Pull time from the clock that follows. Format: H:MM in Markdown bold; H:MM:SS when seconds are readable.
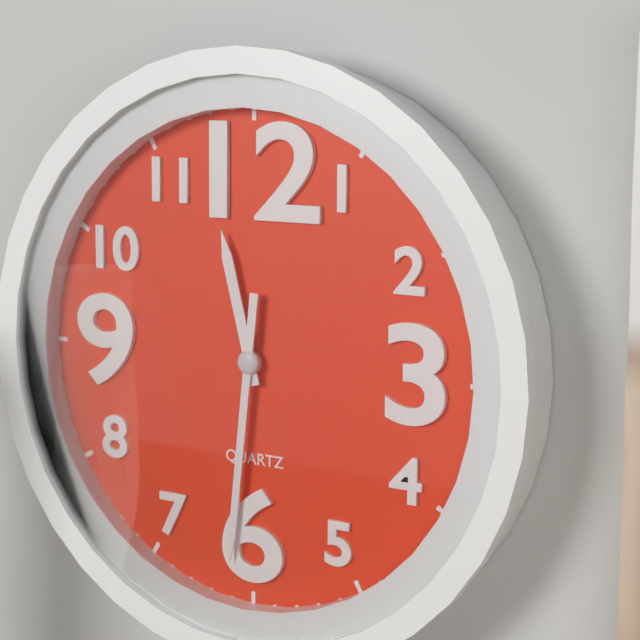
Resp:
**11:31**
